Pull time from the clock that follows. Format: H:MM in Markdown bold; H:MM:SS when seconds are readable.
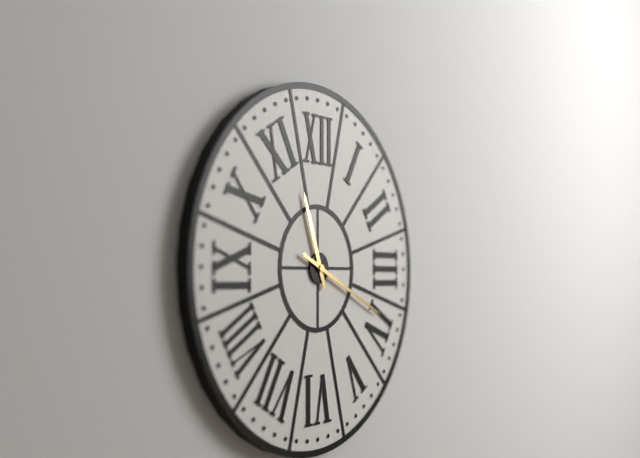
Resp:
**11:19**
